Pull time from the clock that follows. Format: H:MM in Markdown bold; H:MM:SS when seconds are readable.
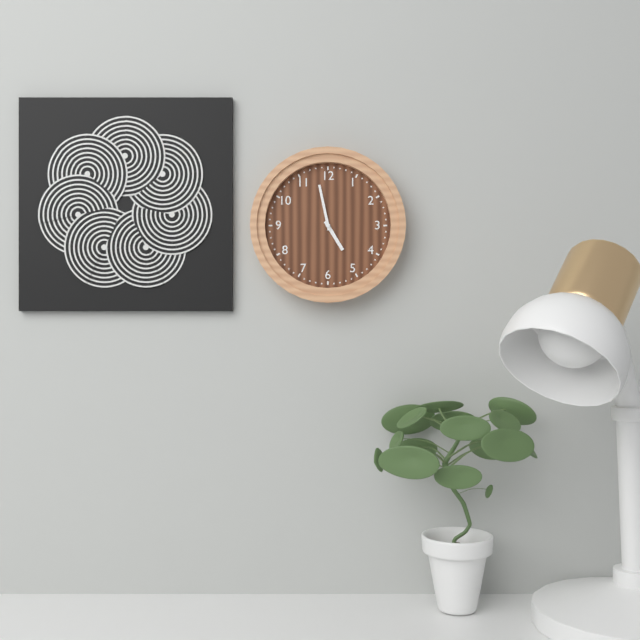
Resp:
**4:58**
